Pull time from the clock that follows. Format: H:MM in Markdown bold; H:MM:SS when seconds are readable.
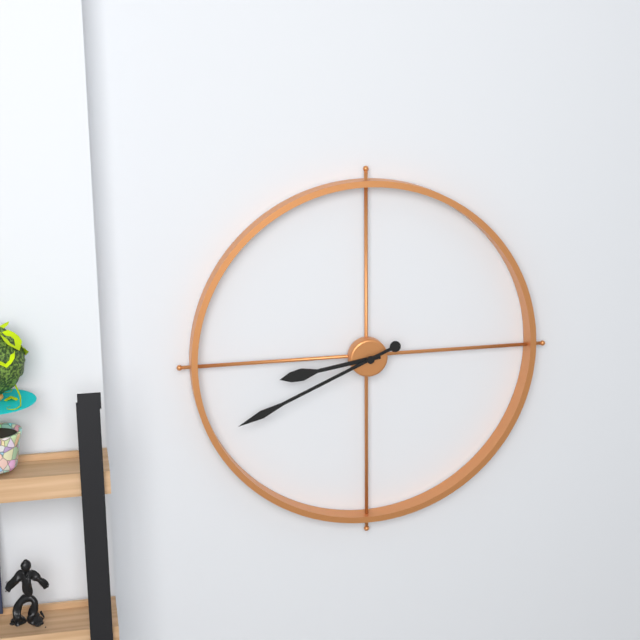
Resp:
**8:41**
